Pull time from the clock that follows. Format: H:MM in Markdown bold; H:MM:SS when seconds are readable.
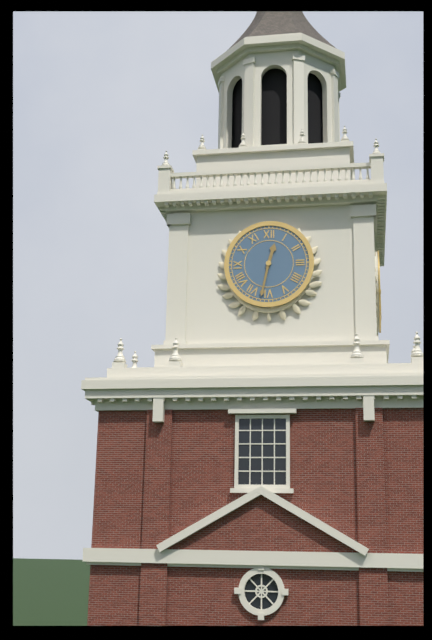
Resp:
**12:32**
